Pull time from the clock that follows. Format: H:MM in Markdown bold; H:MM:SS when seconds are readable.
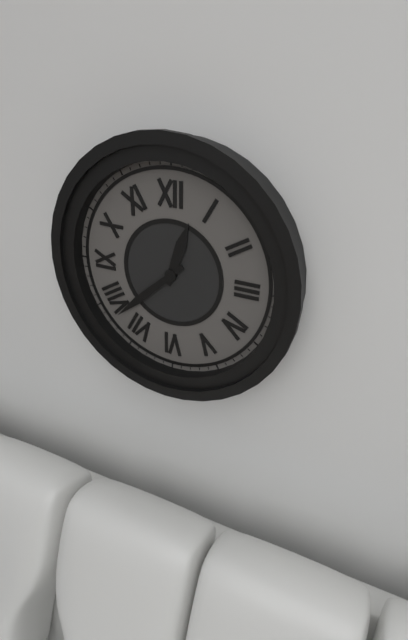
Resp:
**12:38**
